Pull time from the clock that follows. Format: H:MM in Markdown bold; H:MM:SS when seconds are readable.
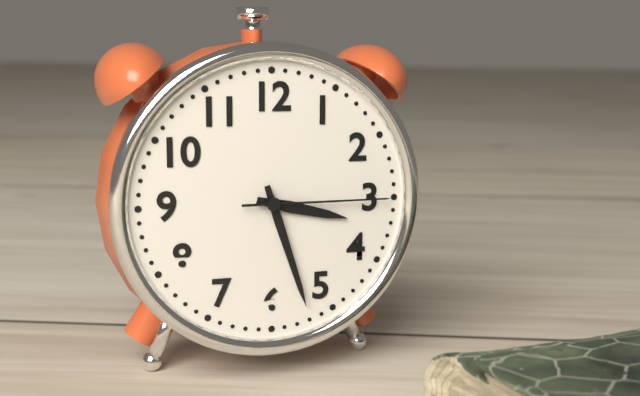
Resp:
**3:27:15**
